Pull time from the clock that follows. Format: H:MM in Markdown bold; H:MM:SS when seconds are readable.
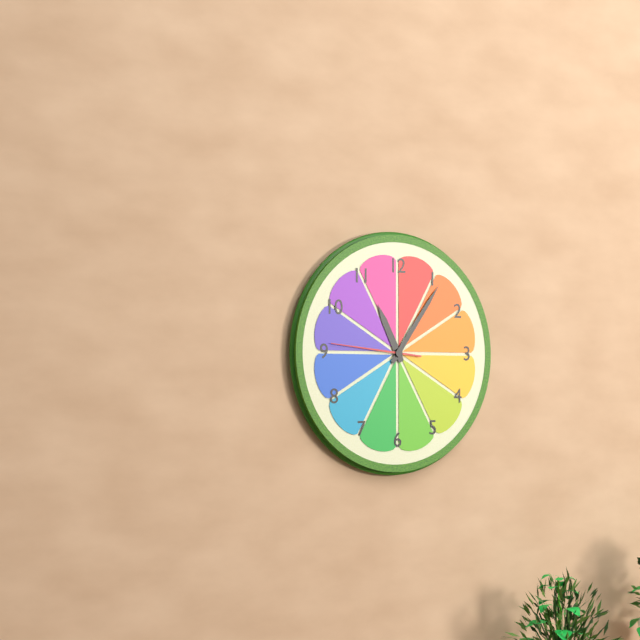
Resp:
**11:06:46**
